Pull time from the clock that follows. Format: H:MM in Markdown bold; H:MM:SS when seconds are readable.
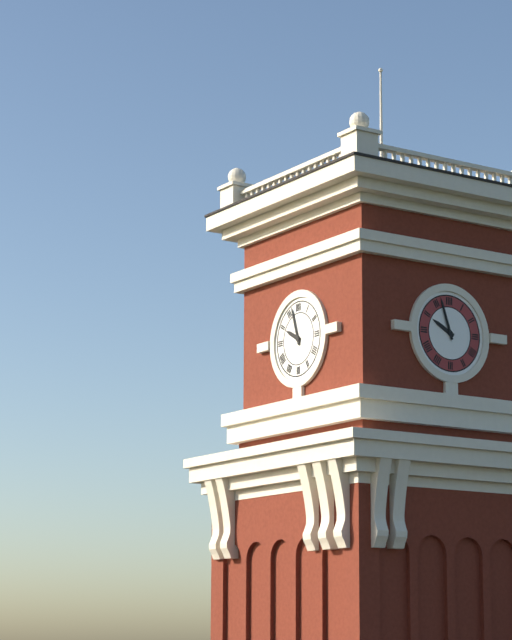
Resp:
**9:57**
